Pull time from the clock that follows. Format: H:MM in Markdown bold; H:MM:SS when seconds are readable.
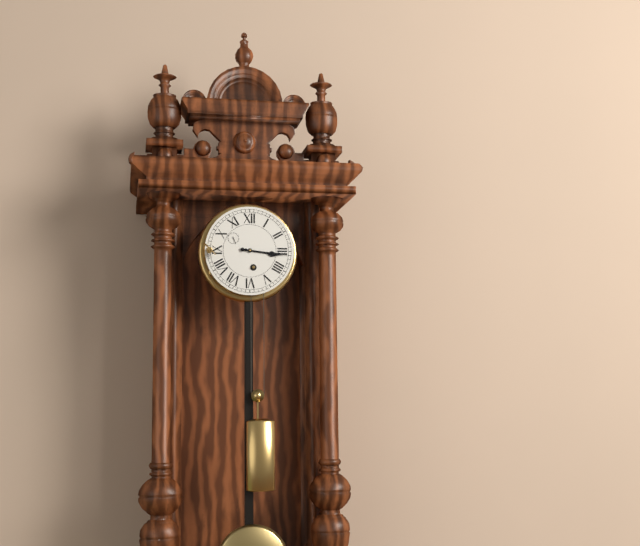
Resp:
**3:16**
